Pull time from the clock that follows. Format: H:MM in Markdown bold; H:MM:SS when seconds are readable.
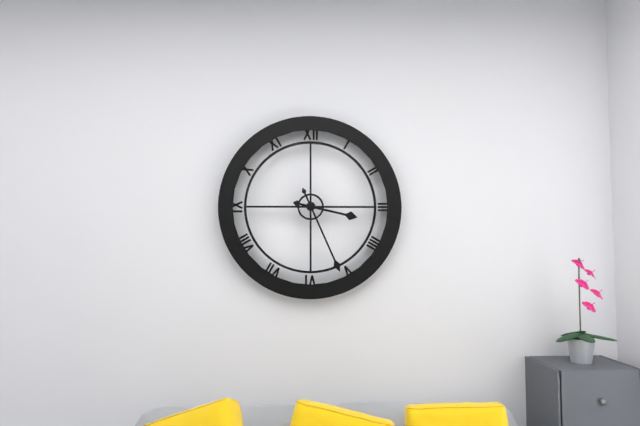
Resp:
**3:26**
